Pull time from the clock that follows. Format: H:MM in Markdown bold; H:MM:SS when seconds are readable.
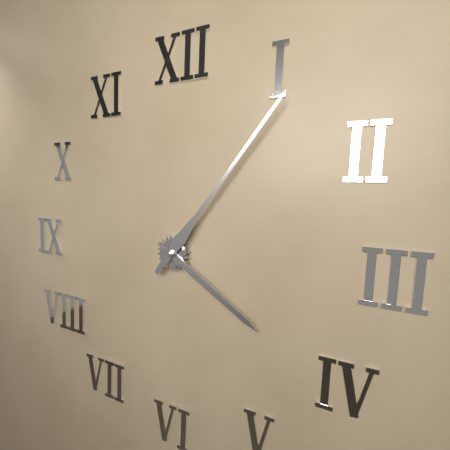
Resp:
**4:06**
